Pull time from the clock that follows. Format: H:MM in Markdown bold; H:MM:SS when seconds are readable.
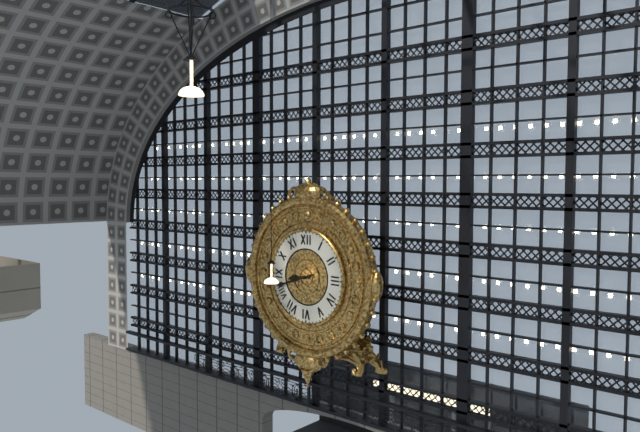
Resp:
**8:42**
